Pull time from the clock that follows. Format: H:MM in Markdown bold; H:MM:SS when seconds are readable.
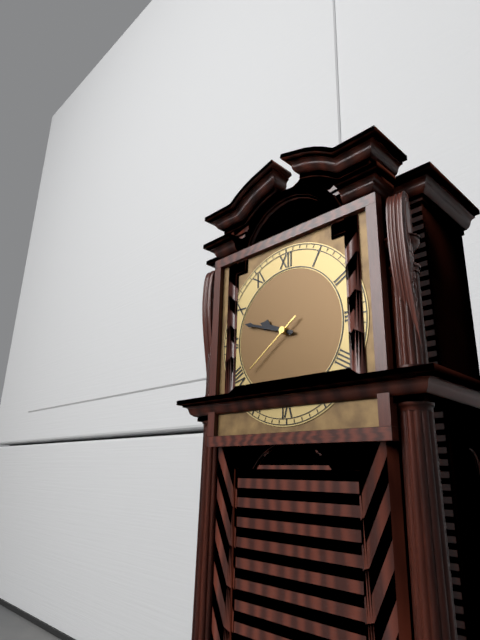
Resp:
**9:48:39**
